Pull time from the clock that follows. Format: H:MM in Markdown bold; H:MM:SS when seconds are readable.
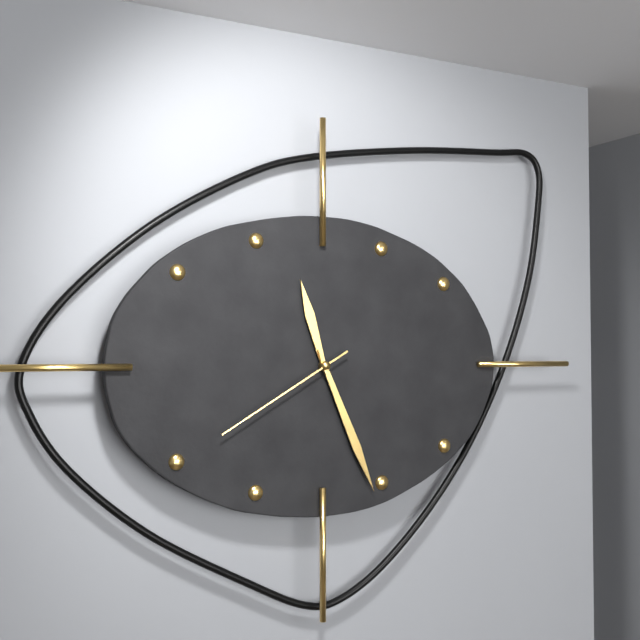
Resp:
**11:26:40**
